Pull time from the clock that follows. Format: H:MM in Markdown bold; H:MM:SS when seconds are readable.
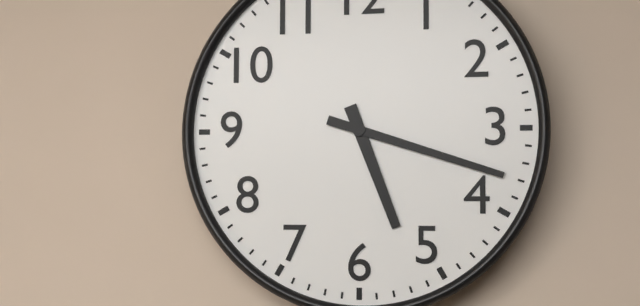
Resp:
**5:18**
